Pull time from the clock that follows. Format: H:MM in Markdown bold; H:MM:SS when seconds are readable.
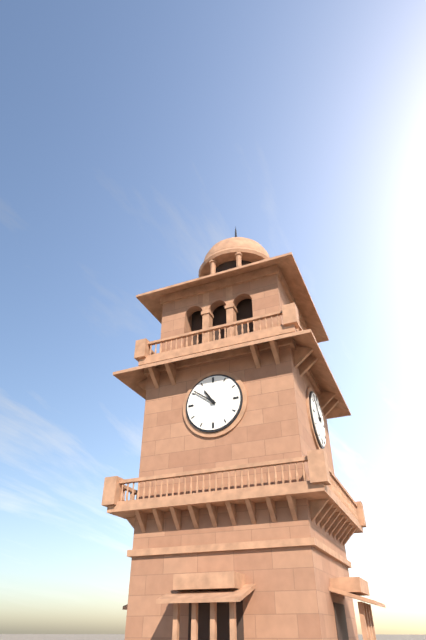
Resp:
**10:51**
